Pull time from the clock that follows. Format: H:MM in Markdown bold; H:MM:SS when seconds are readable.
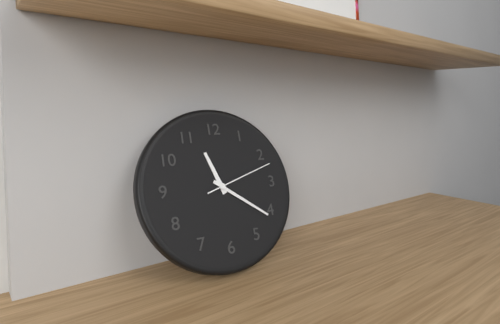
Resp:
**11:21:12**
